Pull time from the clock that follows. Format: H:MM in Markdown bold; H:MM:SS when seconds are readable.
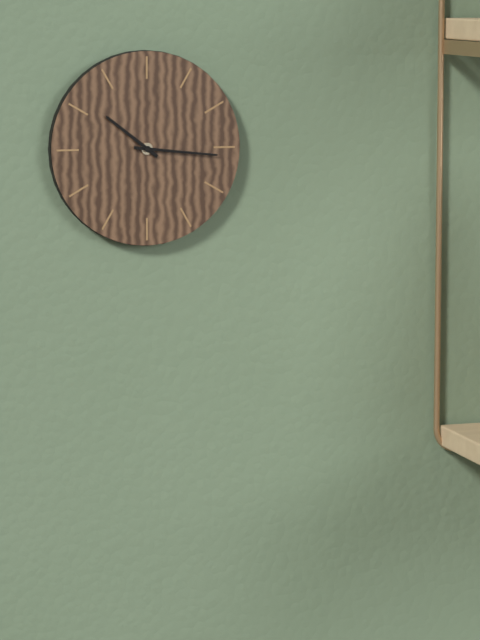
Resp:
**10:16**
